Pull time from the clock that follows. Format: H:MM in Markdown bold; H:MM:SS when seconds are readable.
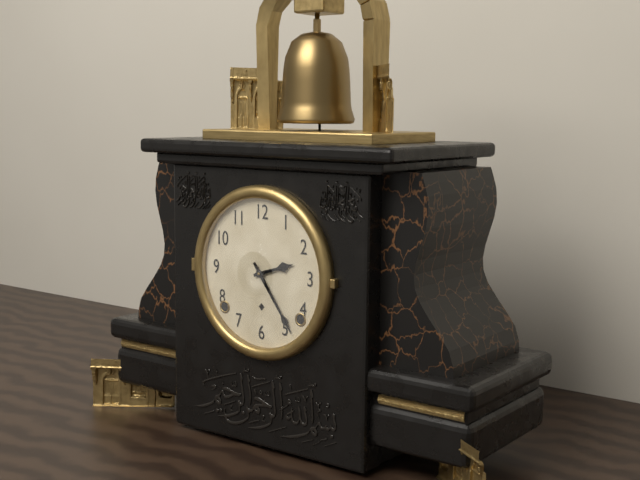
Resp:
**2:24**
